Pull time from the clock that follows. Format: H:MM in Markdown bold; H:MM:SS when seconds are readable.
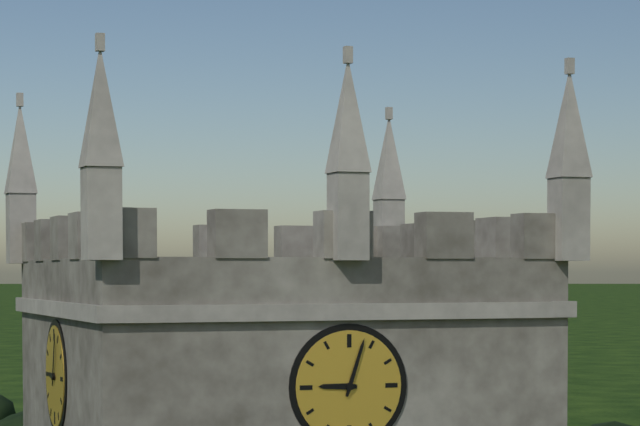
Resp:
**9:03**
